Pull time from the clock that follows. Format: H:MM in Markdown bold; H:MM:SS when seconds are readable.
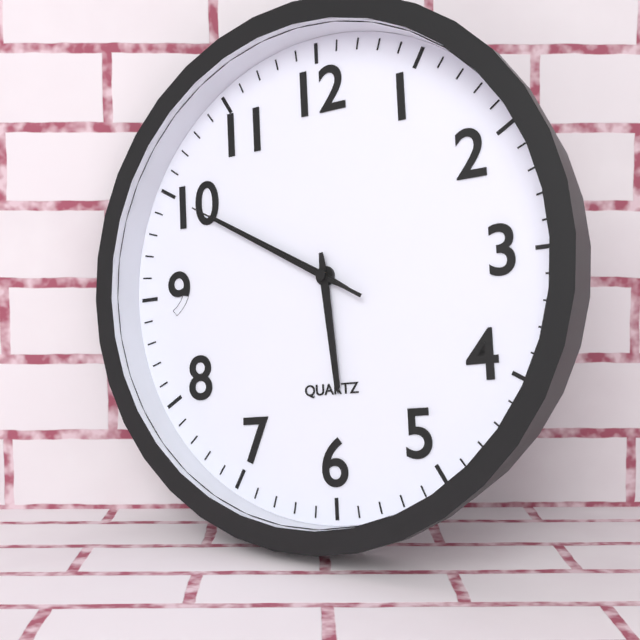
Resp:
**5:50:50**
